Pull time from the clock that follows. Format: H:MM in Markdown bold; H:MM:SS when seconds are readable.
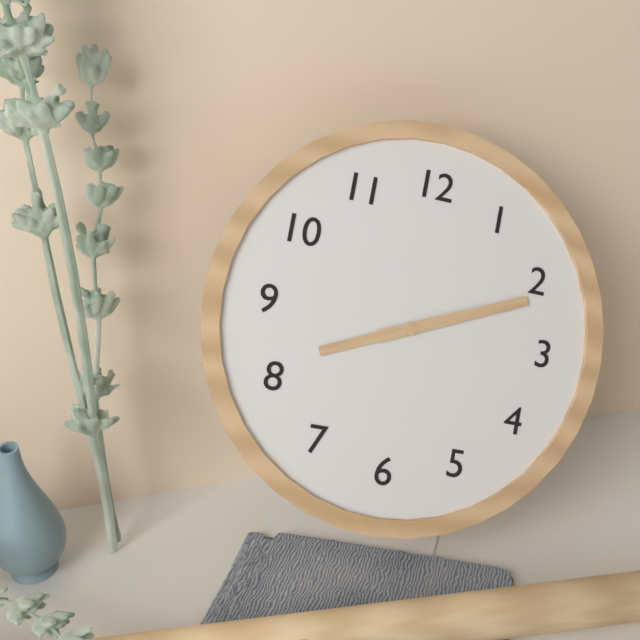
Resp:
**8:11**
